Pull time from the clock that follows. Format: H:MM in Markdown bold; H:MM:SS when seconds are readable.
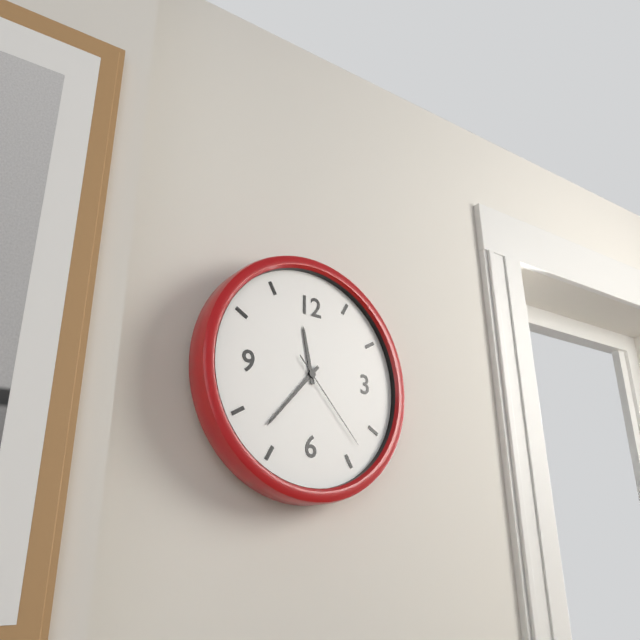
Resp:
**11:37:23**
